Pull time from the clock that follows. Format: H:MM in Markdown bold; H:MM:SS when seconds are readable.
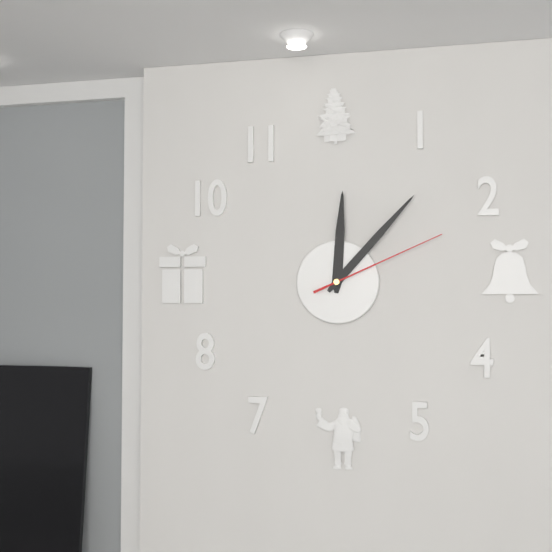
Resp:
**12:07:11**
